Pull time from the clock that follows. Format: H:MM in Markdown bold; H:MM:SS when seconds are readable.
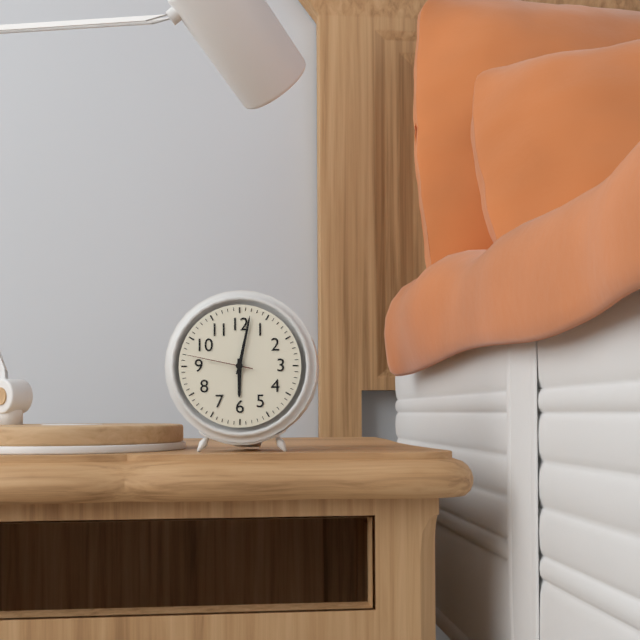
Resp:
**6:02:47**
